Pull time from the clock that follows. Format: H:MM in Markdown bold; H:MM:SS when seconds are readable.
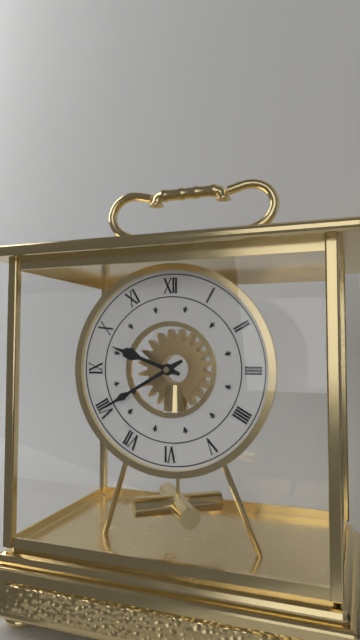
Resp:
**9:40**
